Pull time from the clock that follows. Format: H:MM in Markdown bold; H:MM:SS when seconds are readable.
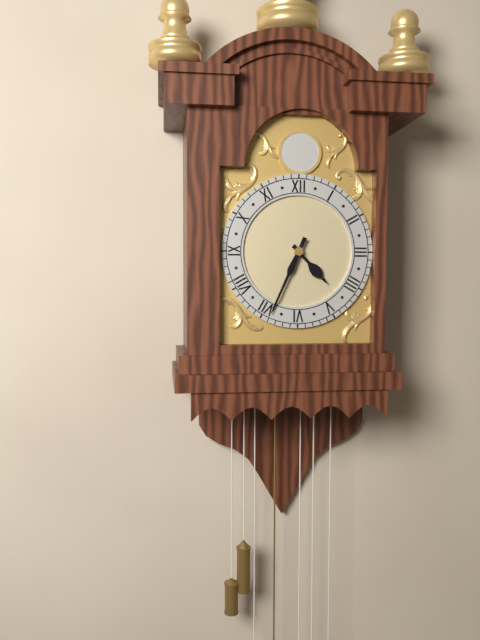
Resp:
**4:34**
